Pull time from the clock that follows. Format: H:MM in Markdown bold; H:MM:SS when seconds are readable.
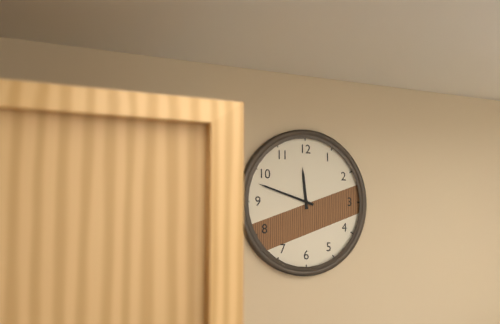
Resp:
**11:48**
